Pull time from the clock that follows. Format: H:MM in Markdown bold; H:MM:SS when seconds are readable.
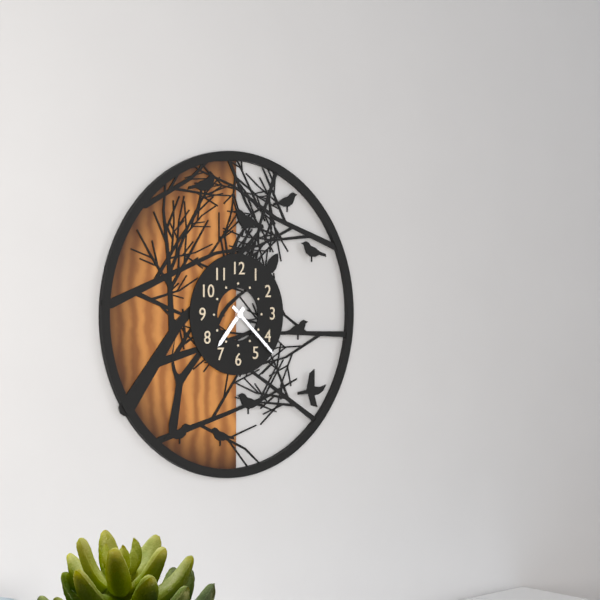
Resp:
**7:22**
